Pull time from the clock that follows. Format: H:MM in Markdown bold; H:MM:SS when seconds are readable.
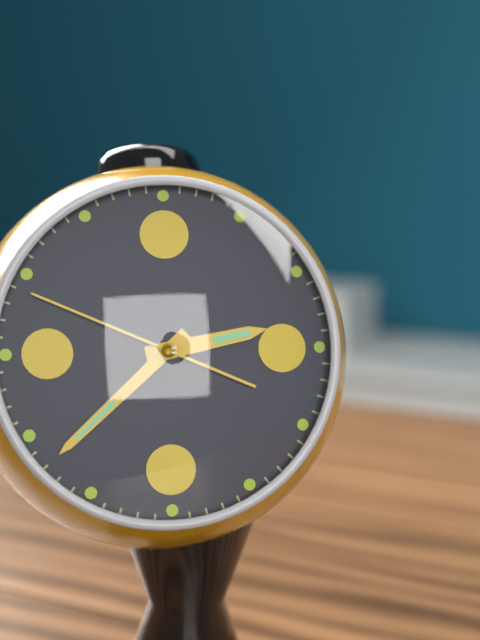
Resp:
**2:38:49**
